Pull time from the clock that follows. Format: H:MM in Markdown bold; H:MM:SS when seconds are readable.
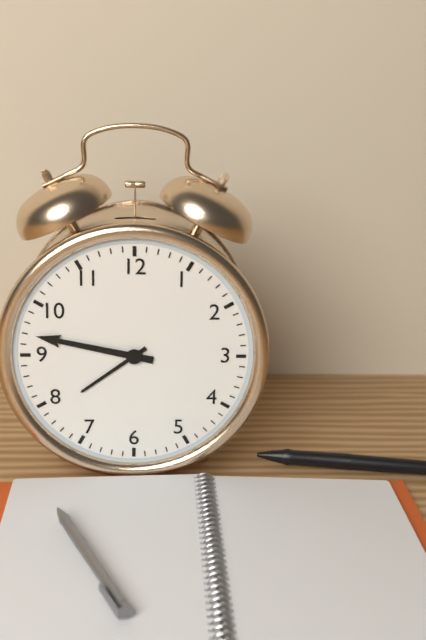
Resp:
**7:47**
